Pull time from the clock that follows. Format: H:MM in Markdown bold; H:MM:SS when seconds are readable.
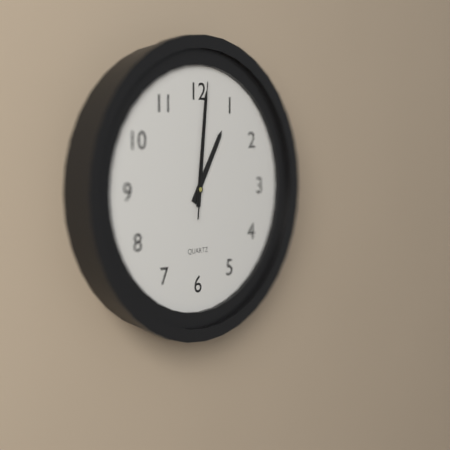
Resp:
**1:01:01**
